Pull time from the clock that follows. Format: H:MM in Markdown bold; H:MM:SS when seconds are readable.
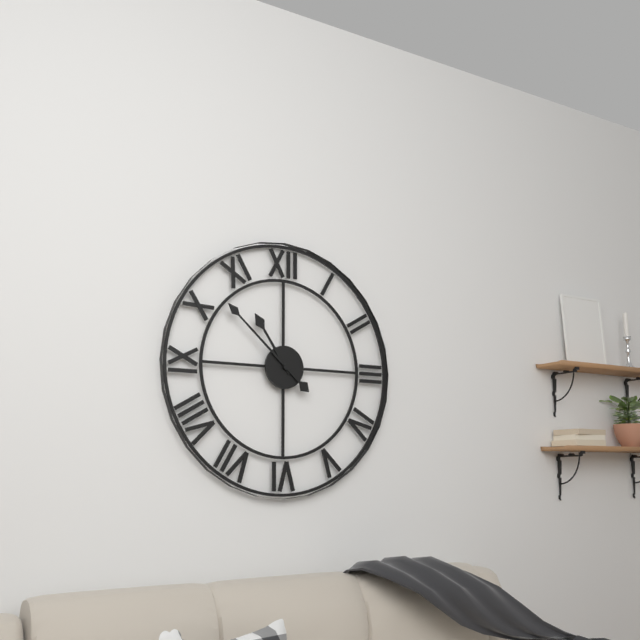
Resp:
**10:52**
